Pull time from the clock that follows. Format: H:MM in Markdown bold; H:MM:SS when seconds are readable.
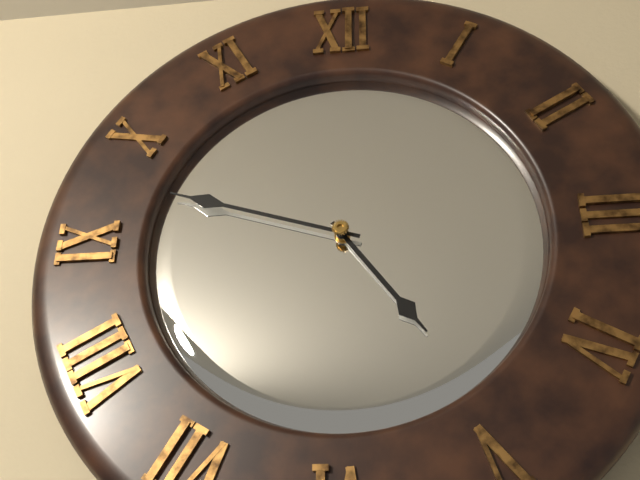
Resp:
**4:48**
